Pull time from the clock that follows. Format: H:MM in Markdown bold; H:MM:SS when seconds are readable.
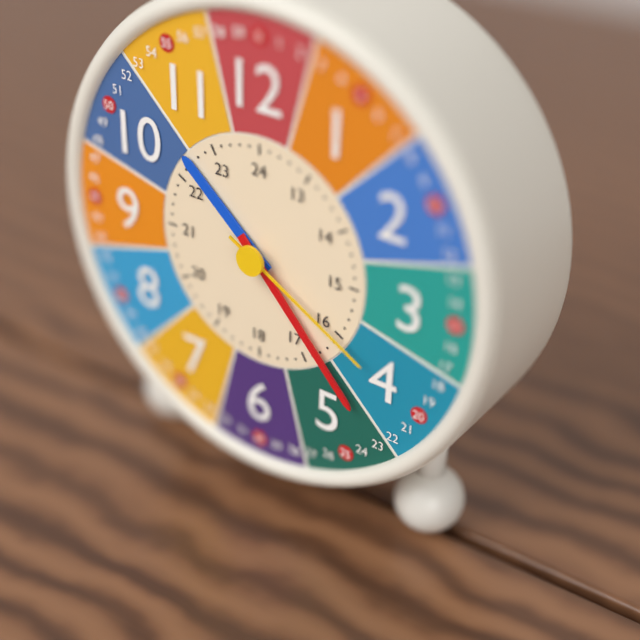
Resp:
**10:23:20**
